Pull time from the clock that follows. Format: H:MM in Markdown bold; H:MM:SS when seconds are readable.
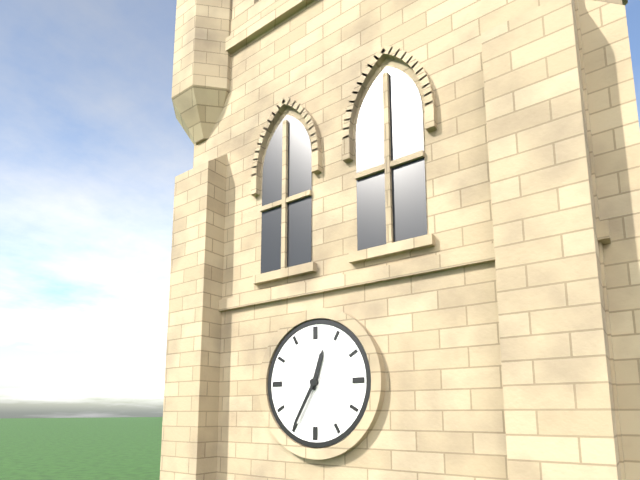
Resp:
**12:35**
